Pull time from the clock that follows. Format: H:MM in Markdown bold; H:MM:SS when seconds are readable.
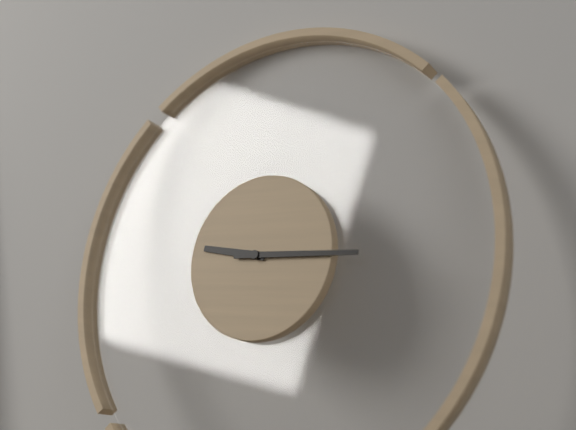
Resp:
**9:15**
